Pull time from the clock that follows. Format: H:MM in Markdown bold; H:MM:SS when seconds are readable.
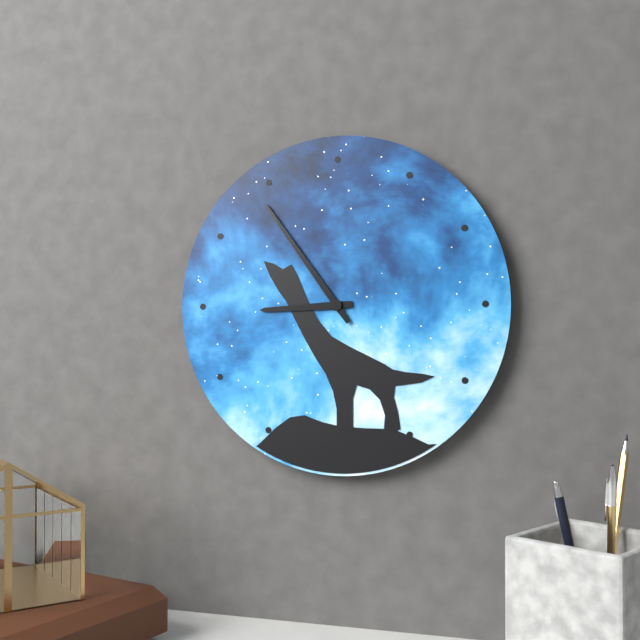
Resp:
**8:54**
